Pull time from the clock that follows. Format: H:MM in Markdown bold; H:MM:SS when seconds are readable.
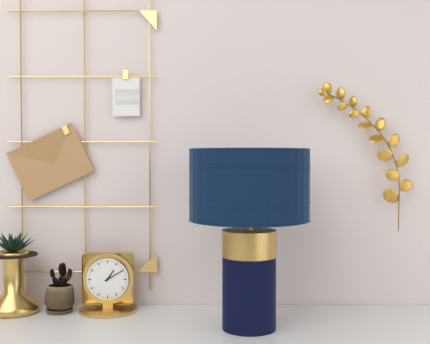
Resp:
**1:10**
